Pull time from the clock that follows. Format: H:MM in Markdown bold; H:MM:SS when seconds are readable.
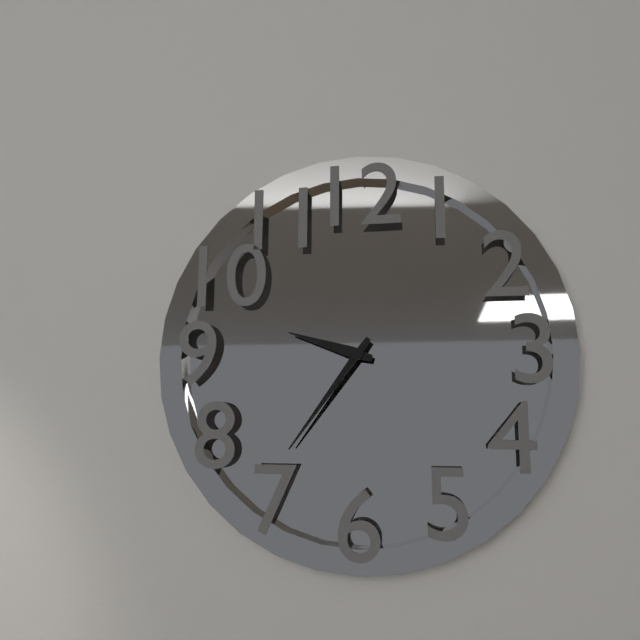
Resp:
**9:36**
